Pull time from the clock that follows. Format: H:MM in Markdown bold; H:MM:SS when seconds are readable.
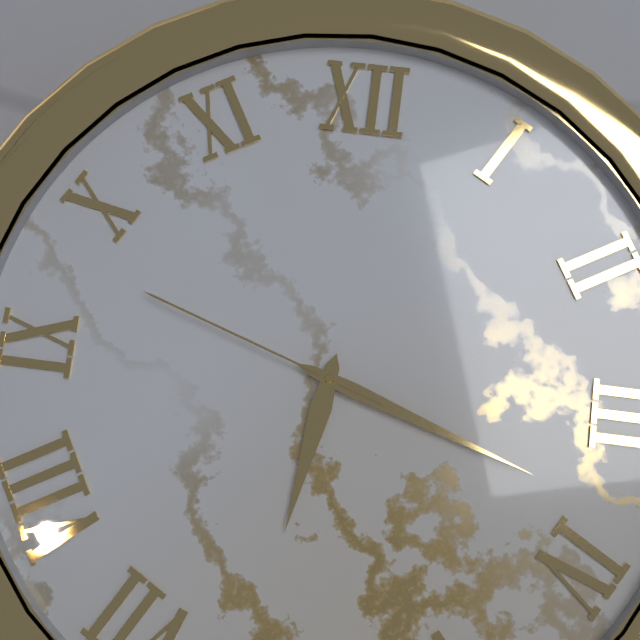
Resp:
**6:18:48**
